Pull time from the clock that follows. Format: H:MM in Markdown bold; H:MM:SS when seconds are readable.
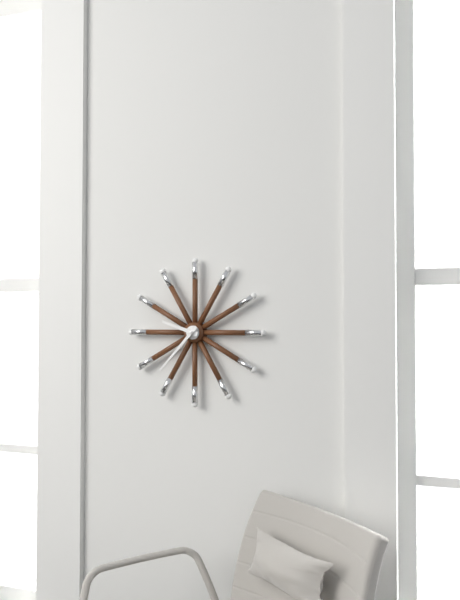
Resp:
**9:37**
